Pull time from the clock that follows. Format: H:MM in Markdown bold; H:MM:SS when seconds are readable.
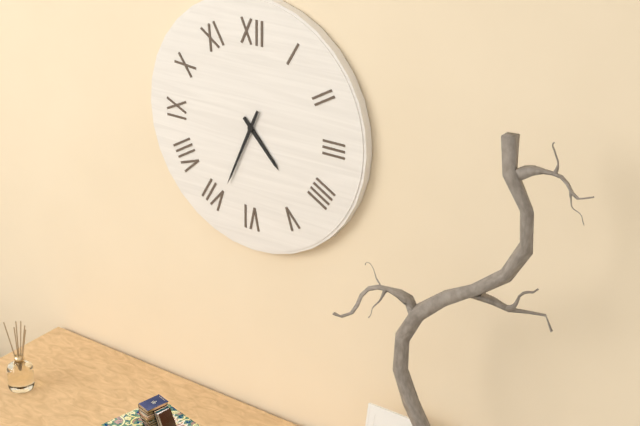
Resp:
**4:34**
